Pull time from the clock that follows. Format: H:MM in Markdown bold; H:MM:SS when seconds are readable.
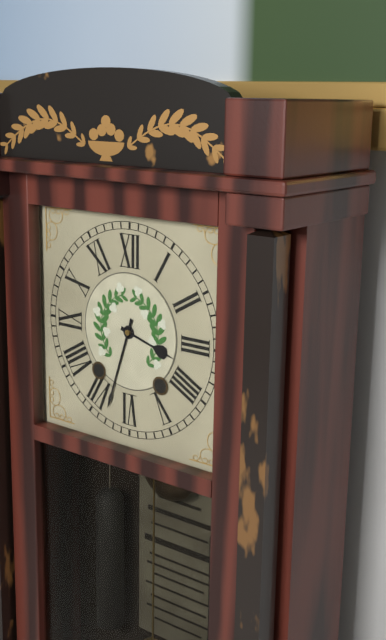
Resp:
**3:33**
